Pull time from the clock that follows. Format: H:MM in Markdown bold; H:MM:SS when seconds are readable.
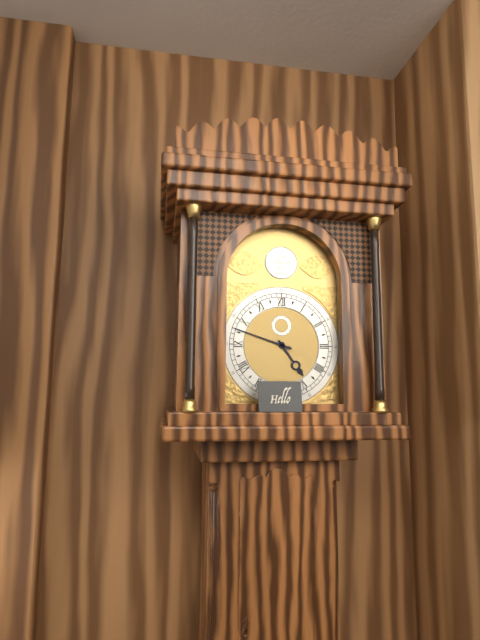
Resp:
**4:48**
